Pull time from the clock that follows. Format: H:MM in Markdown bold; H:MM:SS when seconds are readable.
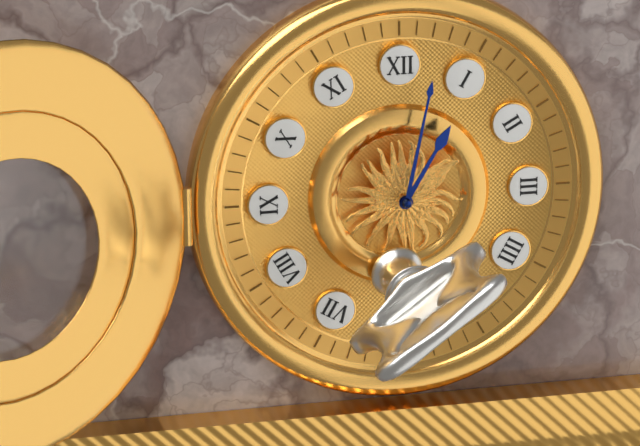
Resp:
**1:02**
